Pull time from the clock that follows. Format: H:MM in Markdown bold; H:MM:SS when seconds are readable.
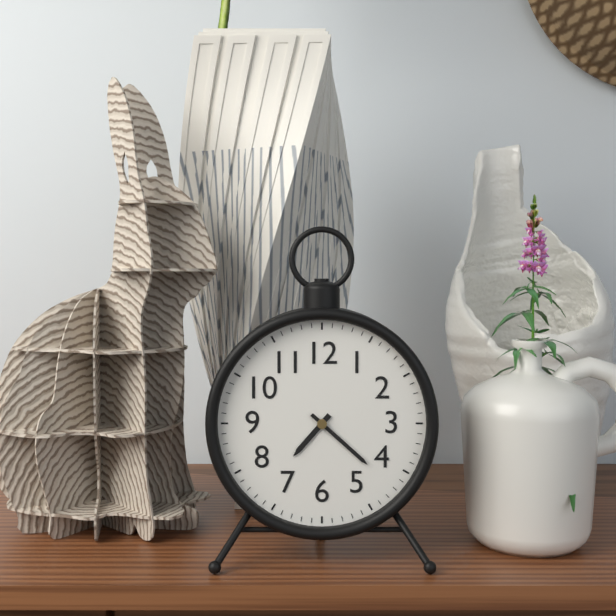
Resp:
**7:22**
